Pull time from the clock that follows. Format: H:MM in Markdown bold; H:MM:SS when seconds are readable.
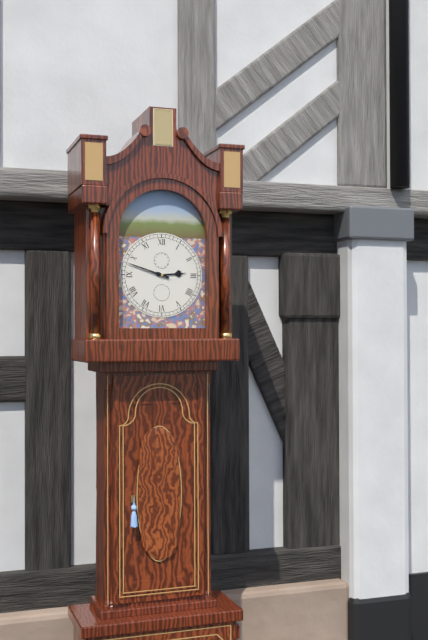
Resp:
**2:48**
